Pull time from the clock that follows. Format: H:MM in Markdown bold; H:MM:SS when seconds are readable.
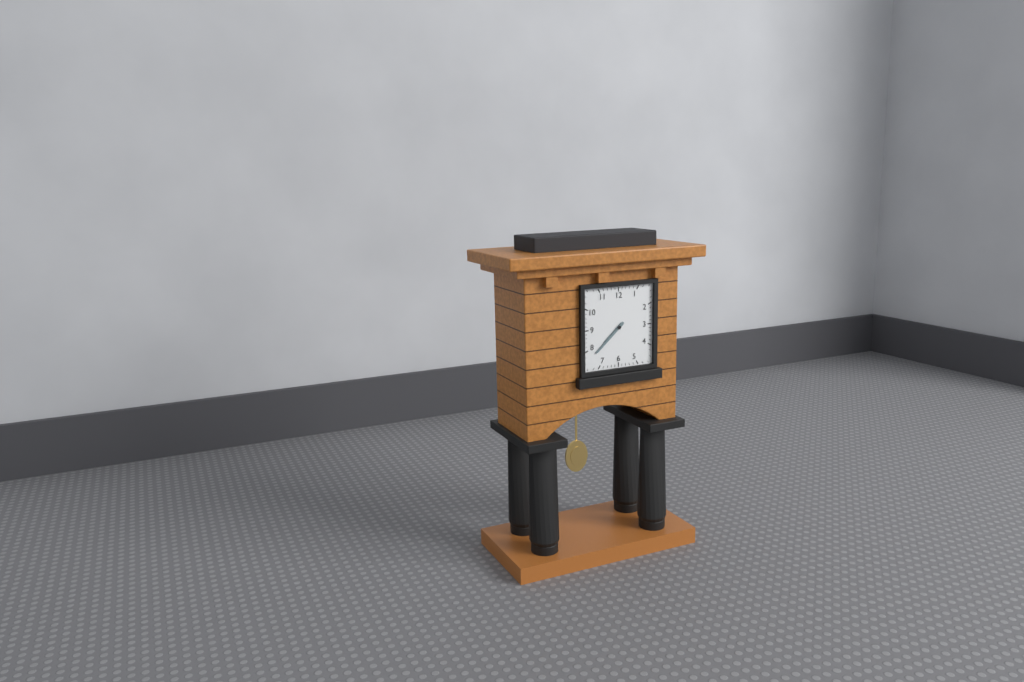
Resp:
**7:38**
